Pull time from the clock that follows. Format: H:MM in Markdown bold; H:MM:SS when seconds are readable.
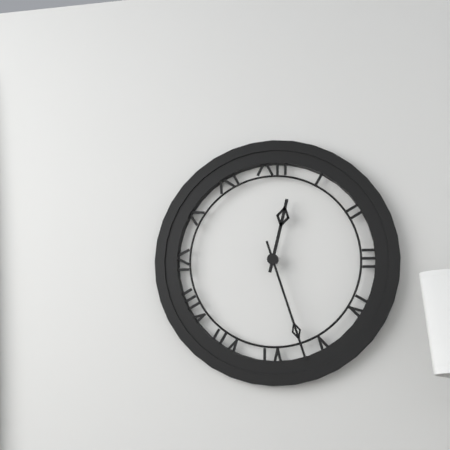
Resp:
**12:27**
